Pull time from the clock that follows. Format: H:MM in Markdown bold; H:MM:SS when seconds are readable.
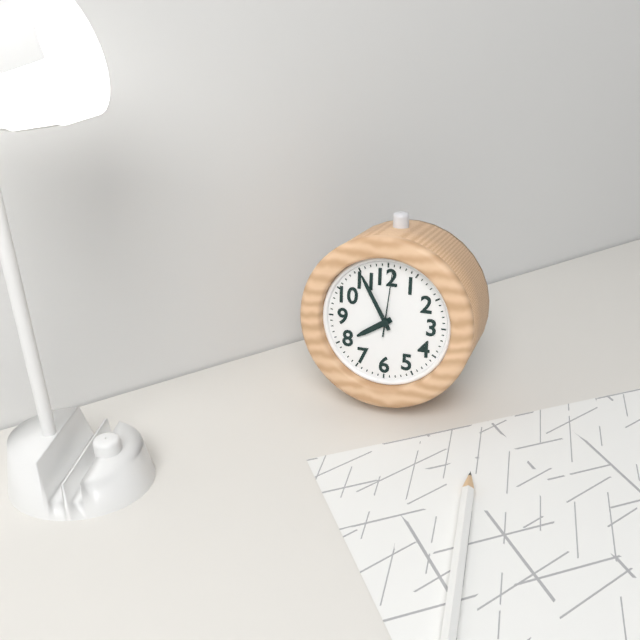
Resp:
**7:55:01**
